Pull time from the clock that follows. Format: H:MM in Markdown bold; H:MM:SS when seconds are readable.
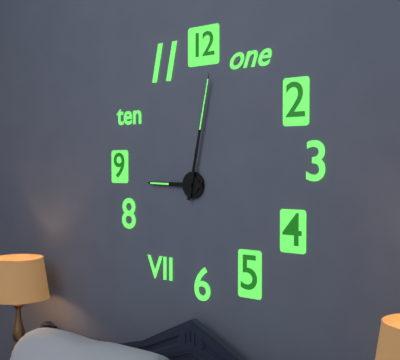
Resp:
**9:02**
